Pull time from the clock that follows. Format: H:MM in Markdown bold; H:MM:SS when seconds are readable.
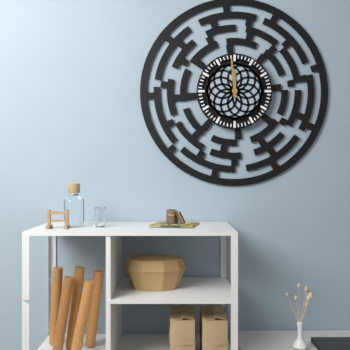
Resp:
**11:59**
